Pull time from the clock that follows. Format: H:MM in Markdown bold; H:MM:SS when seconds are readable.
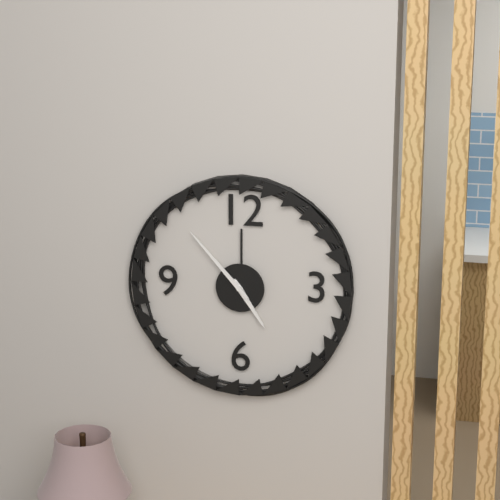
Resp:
**4:53**
